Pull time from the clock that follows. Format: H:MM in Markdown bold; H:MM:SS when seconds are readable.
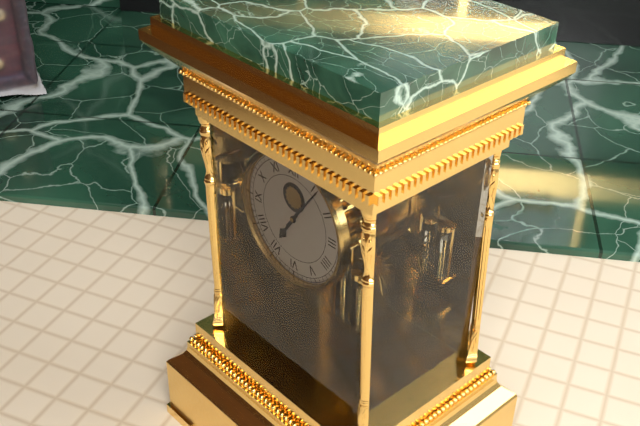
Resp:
**7:06**
